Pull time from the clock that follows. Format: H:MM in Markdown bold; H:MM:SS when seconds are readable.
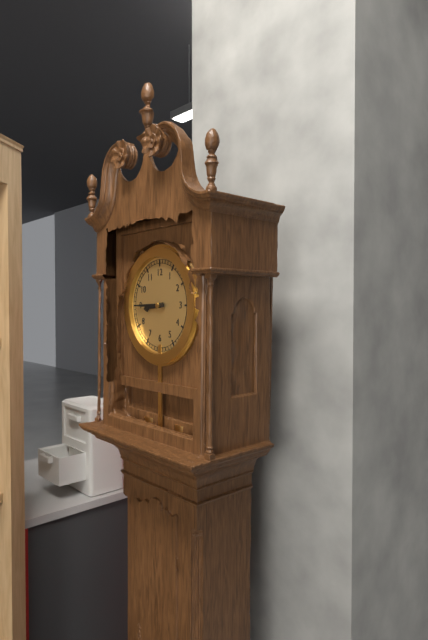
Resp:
**8:45**
